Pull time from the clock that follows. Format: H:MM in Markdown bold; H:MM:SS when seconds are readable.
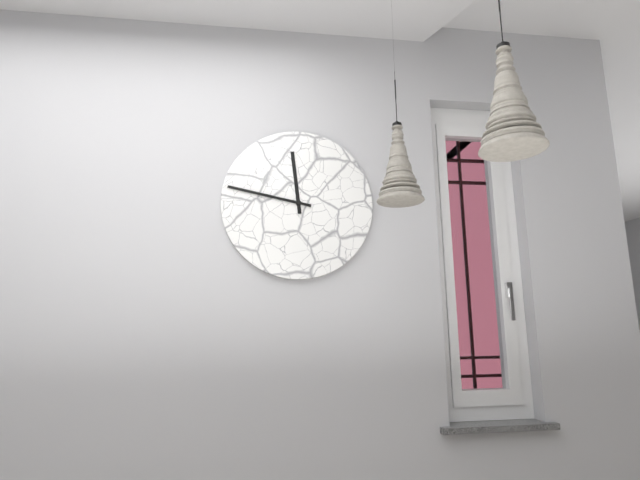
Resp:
**11:47**
